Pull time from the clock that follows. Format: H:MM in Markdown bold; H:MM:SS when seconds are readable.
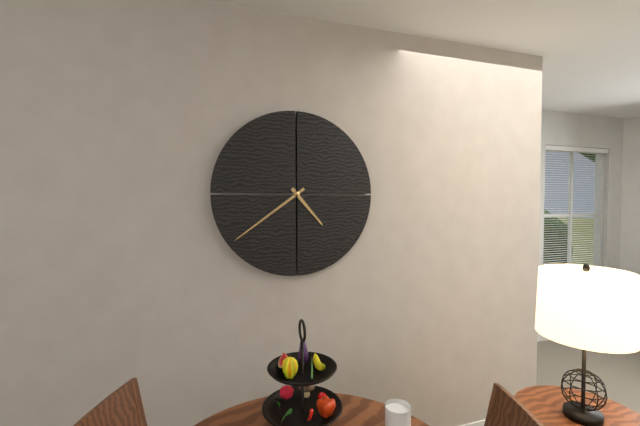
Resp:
**4:39**
